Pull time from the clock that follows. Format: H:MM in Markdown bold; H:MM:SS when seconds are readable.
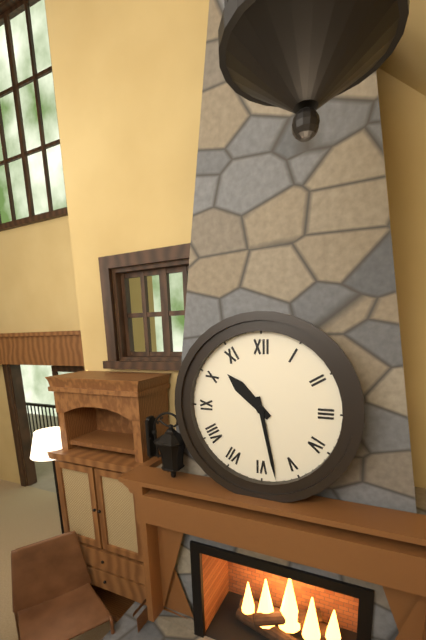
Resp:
**10:28**
